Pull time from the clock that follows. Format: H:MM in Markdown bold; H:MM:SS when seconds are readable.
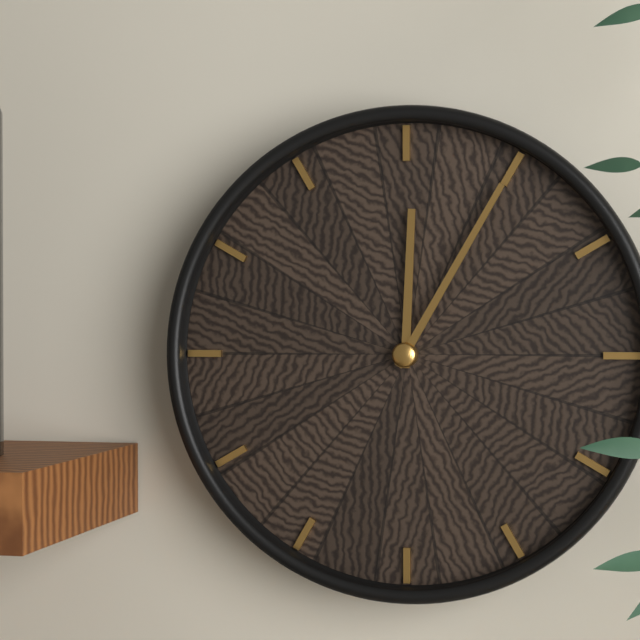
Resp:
**12:05**
